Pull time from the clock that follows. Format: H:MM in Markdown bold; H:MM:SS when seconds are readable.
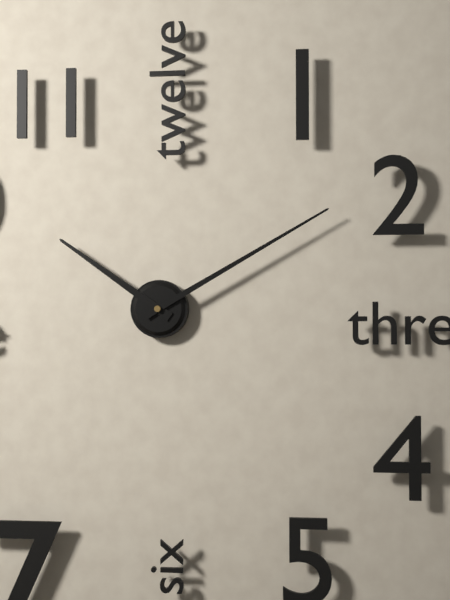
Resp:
**10:10**
